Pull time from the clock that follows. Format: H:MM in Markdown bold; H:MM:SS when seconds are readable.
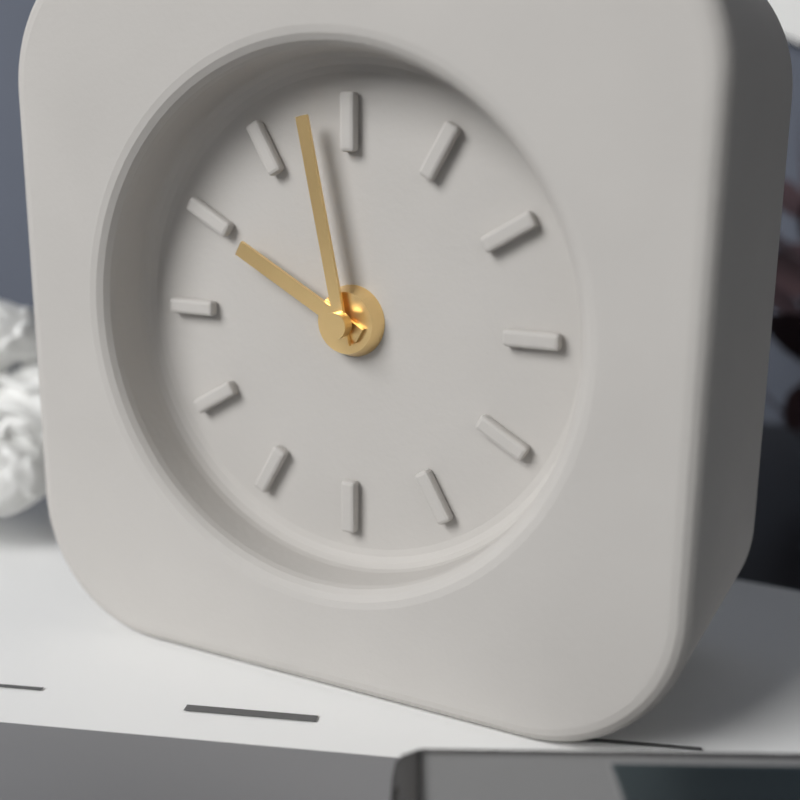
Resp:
**9:58**
